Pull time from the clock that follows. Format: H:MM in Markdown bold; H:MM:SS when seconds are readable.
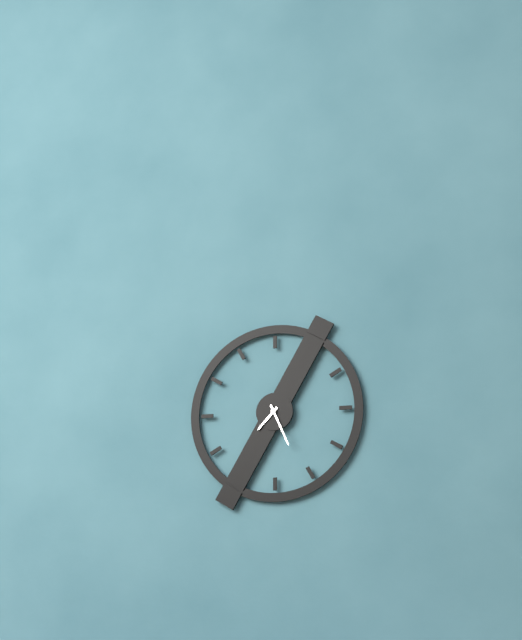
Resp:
**7:26**
